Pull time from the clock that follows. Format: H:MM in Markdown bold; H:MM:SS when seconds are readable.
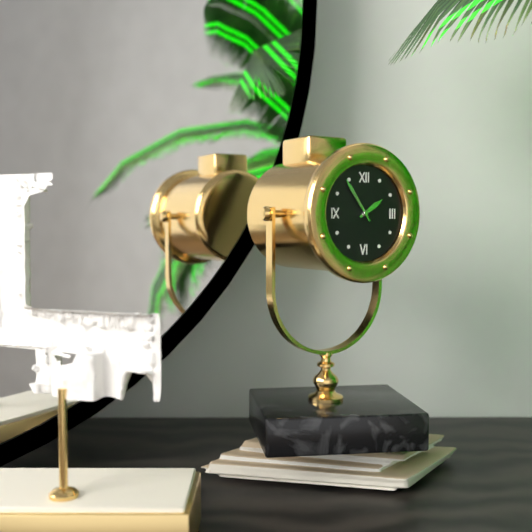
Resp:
**1:54**
